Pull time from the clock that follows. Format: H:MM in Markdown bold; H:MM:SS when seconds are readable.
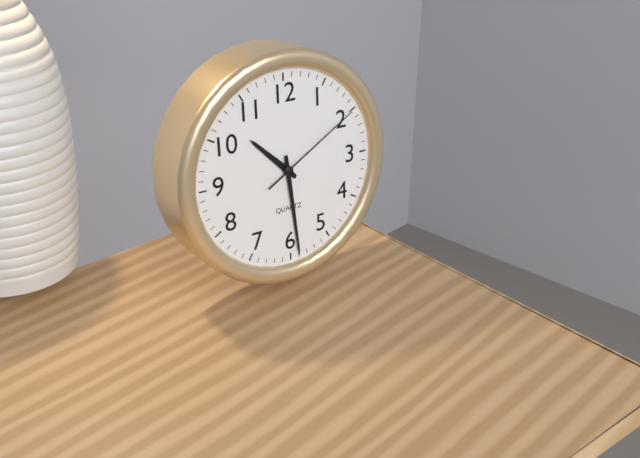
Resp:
**10:29:10**
